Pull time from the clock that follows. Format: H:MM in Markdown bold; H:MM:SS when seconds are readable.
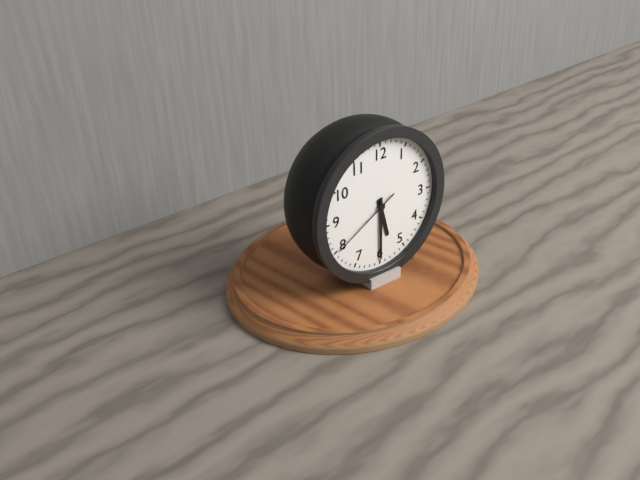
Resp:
**5:30:40**
